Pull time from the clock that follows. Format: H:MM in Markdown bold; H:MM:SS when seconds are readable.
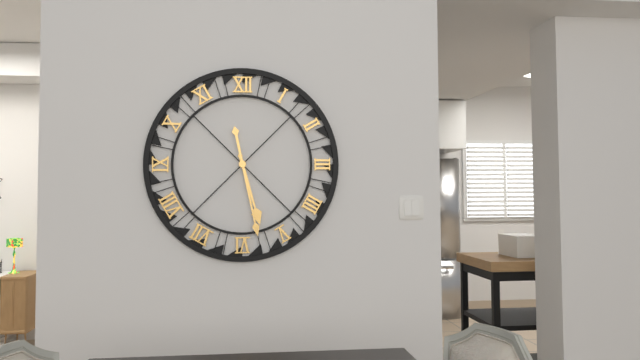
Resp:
**5:28**
